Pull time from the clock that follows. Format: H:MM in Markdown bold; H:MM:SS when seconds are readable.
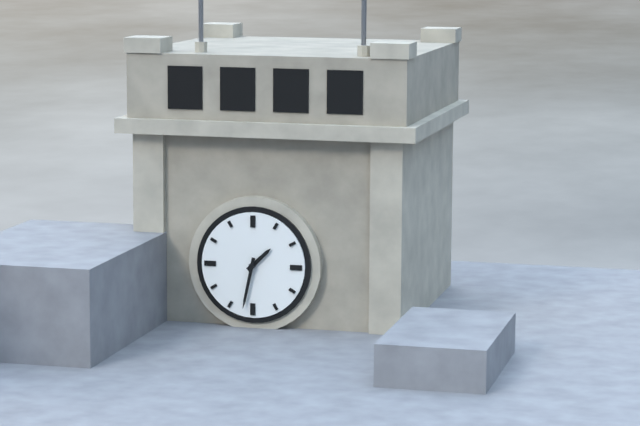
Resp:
**1:32**
